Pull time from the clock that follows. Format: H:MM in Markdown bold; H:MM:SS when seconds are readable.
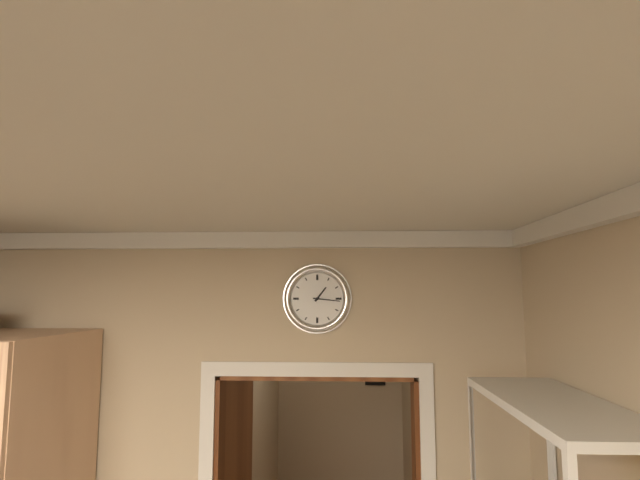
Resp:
**1:16**
